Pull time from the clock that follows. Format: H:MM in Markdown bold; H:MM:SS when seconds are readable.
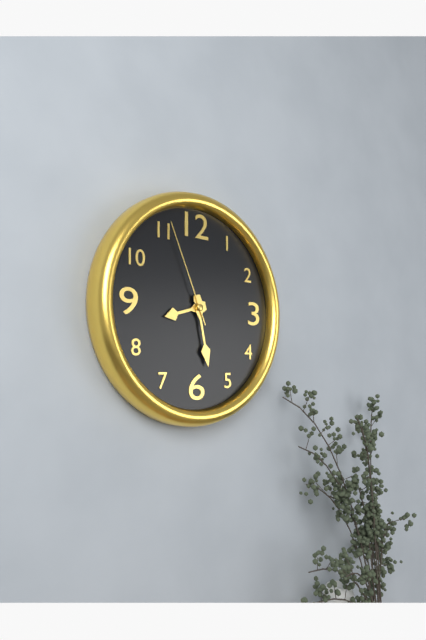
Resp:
**8:28:56**
